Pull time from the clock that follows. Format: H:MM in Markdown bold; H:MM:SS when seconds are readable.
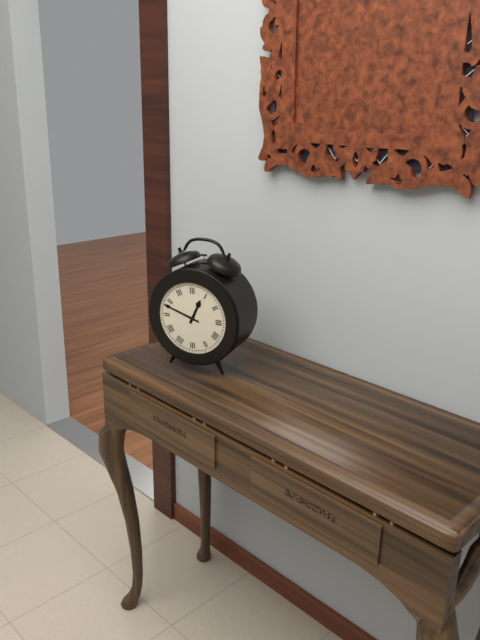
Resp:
**12:48**
